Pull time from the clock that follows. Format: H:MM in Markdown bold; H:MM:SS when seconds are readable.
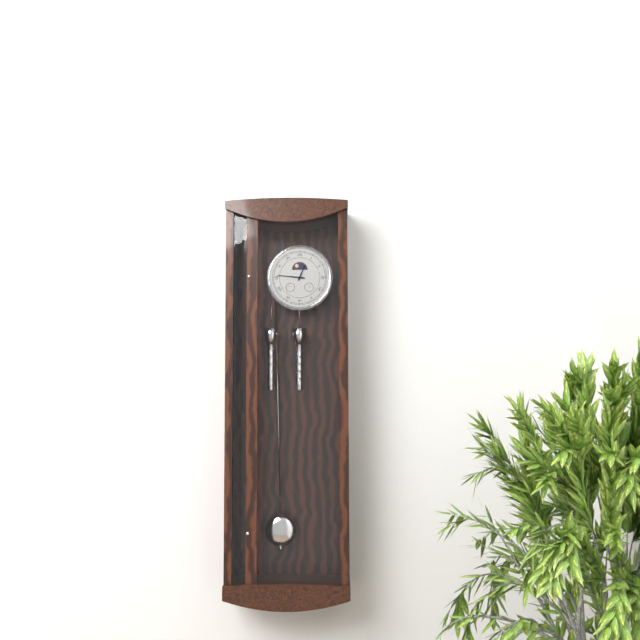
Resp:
**12:46**
